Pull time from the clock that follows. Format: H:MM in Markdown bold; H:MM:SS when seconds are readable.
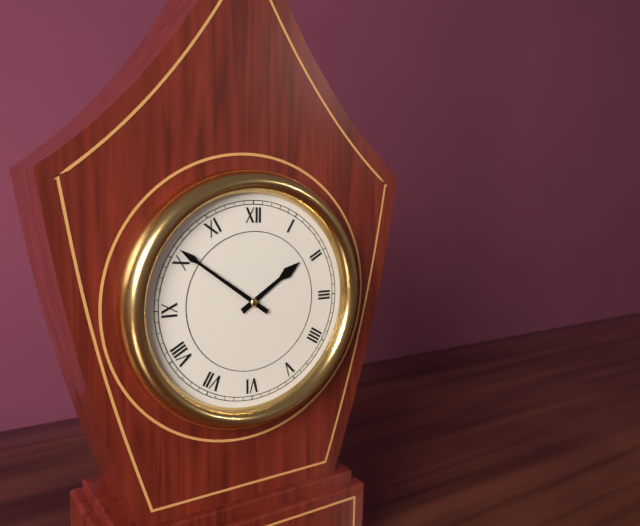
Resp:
**1:51**
